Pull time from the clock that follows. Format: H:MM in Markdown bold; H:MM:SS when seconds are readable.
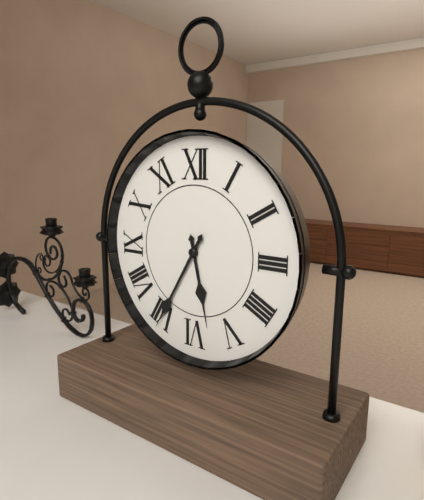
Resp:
**5:35**
